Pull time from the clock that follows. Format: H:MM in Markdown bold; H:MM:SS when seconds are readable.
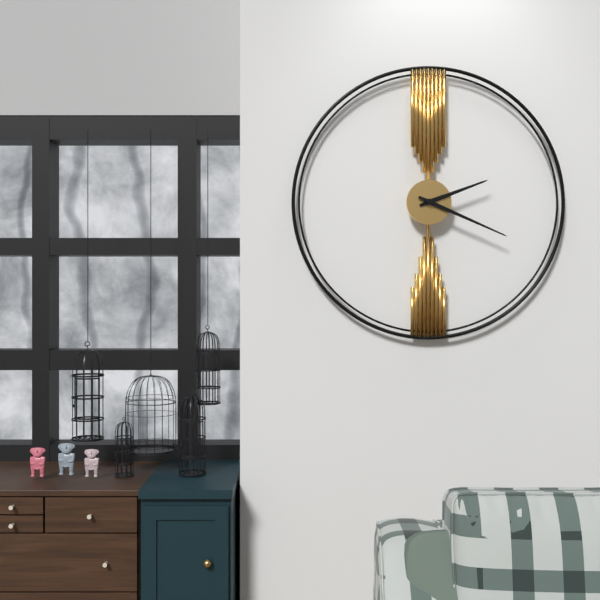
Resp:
**2:19**
